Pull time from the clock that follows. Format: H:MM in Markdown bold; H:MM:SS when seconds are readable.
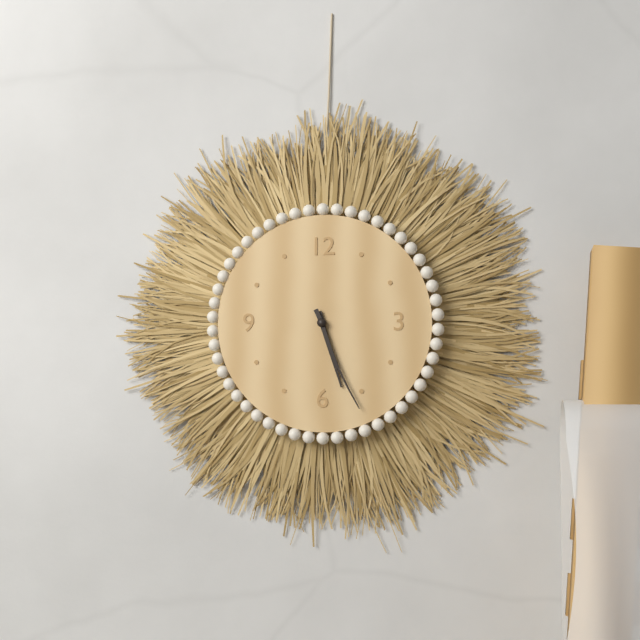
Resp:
**5:26**
